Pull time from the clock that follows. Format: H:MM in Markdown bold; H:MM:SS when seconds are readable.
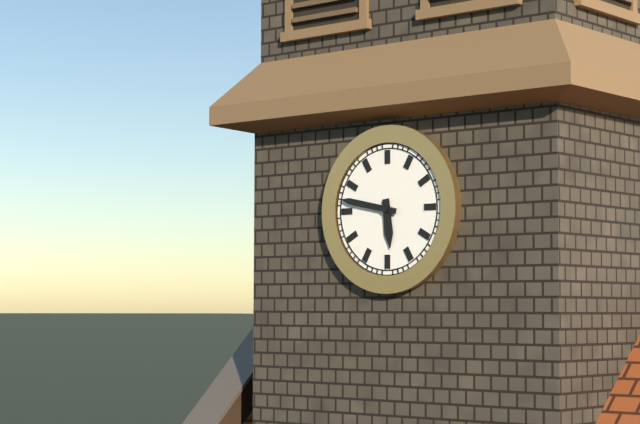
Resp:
**5:47**
